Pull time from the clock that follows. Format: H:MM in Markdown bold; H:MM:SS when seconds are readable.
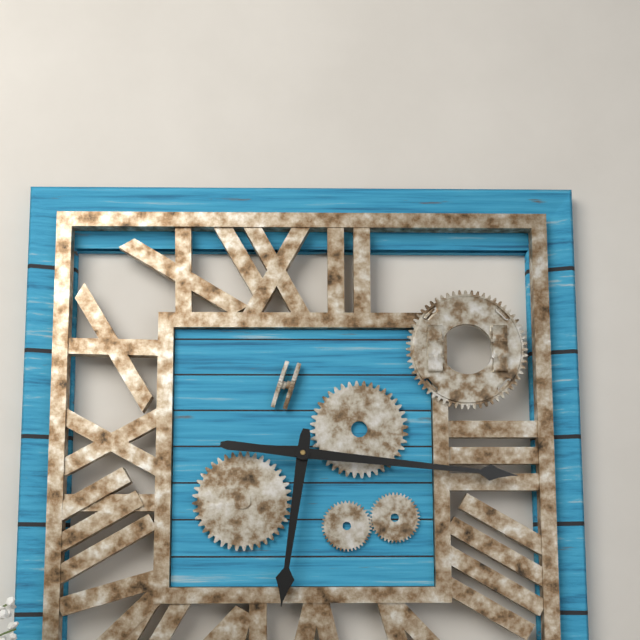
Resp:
**6:16**
